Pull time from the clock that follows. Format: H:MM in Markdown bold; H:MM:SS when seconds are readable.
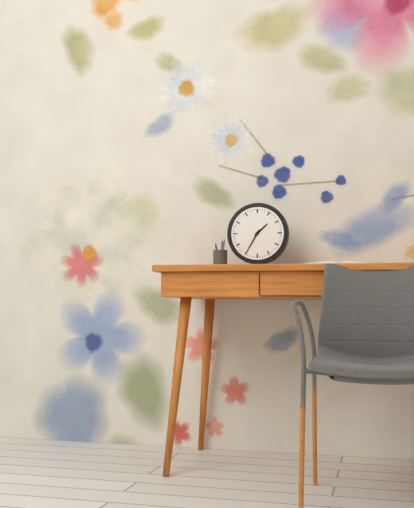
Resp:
**1:35**
